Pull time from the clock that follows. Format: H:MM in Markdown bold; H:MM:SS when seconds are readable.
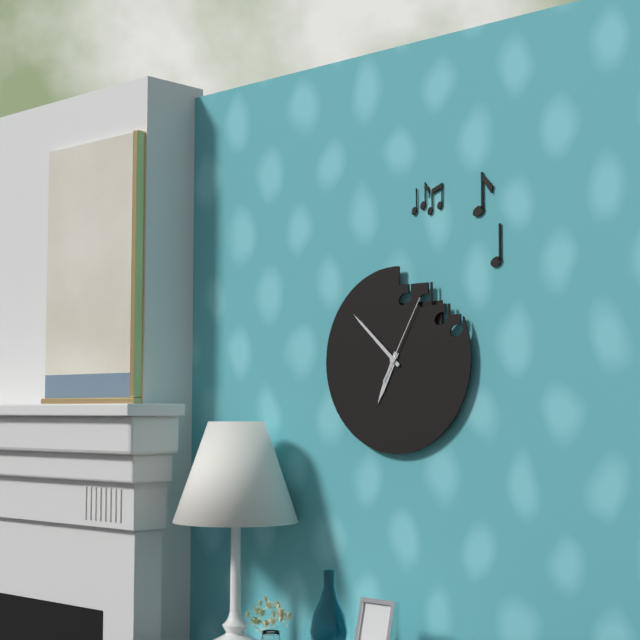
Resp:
**6:52:05**
